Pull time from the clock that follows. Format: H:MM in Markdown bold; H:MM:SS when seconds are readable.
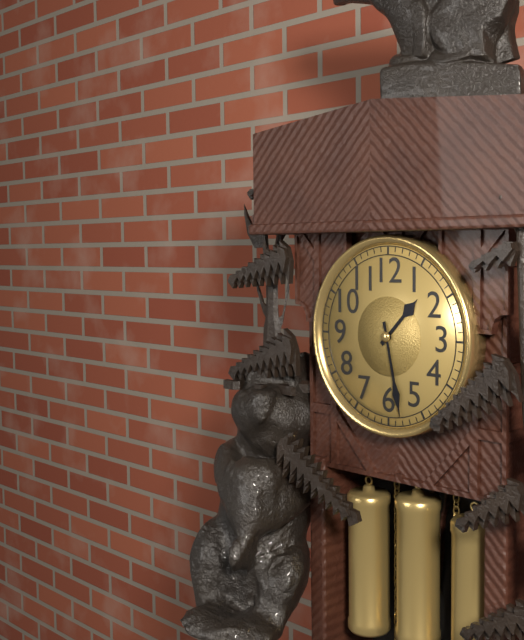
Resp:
**1:28**
